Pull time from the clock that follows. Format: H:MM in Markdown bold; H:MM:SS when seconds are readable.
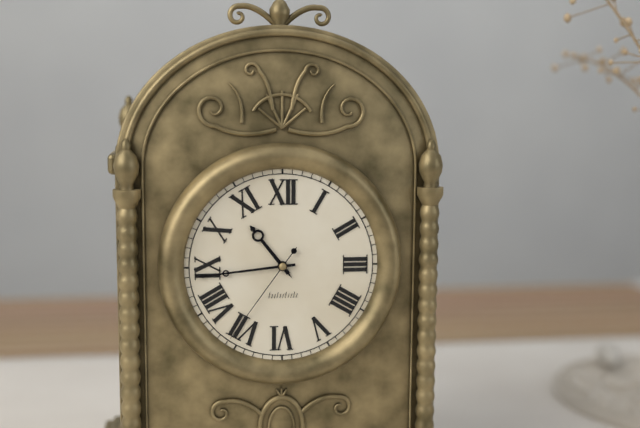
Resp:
**10:44:36**
